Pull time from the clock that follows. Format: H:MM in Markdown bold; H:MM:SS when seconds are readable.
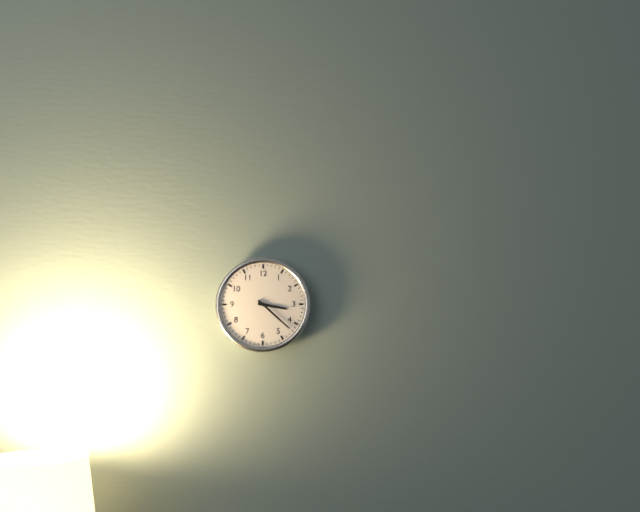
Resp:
**3:22**
